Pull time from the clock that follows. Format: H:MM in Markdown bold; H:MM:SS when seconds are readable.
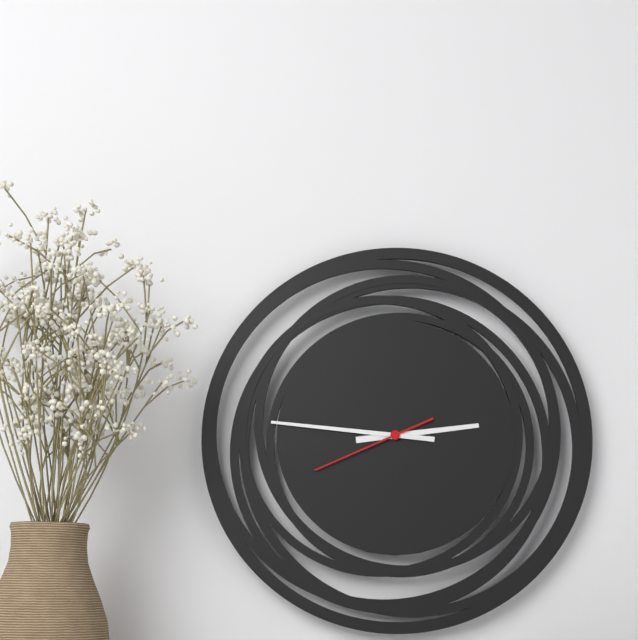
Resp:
**2:46:41**
